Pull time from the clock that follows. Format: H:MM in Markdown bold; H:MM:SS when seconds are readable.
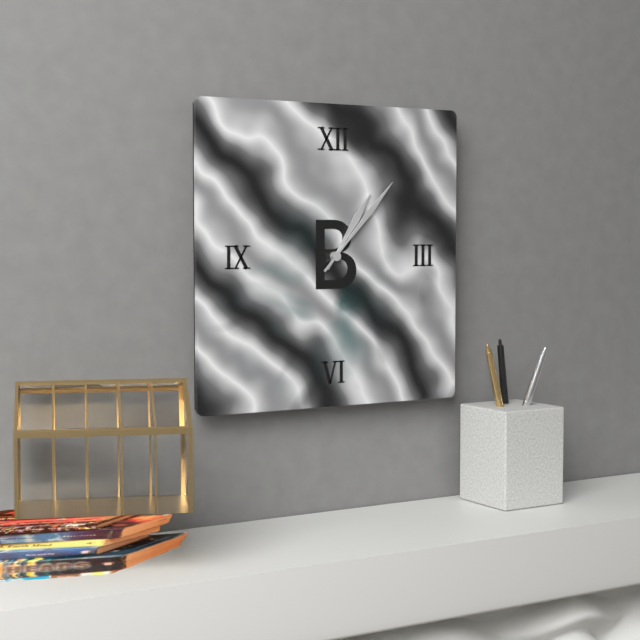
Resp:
**1:07**
